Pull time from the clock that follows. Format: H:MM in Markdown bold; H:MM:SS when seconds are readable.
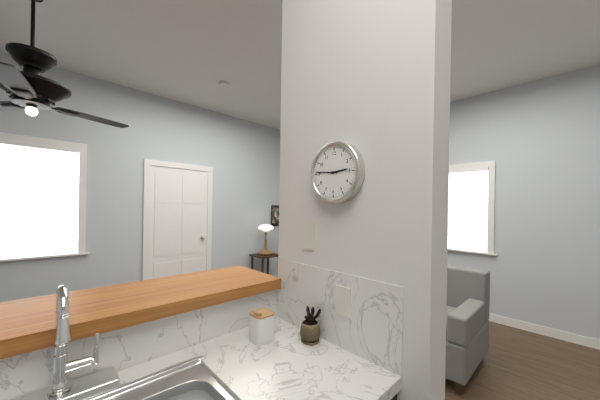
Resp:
**2:46**
